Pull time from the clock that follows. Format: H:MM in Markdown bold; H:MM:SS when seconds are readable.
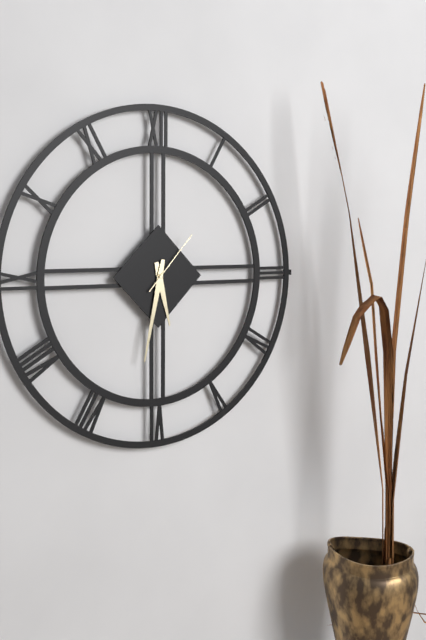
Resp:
**5:32:07**
